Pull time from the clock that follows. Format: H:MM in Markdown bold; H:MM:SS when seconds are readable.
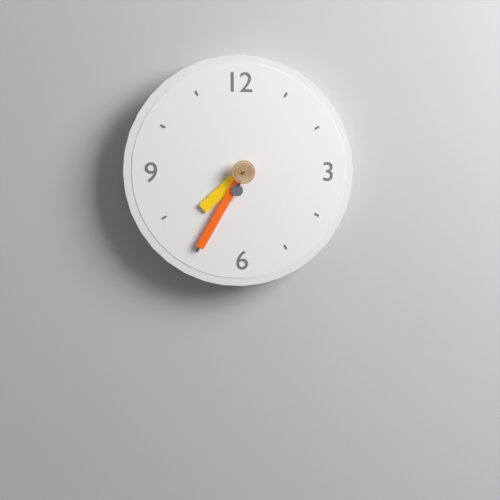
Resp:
**7:35**
